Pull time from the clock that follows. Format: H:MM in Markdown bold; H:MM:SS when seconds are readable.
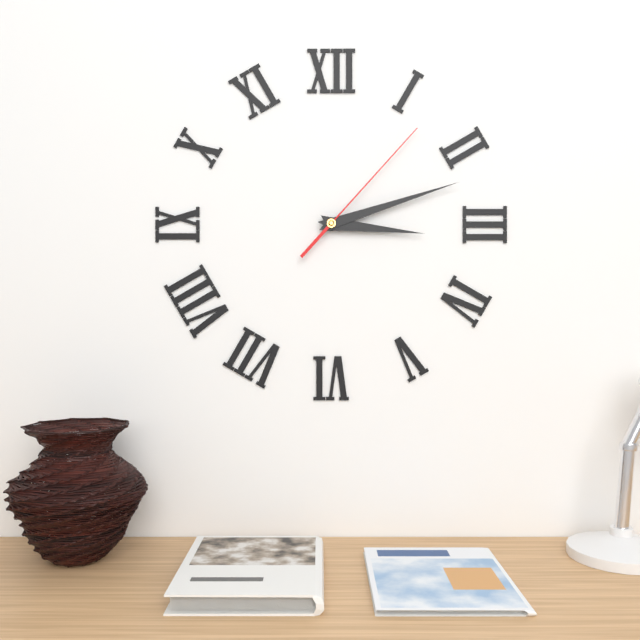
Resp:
**3:12:07**
